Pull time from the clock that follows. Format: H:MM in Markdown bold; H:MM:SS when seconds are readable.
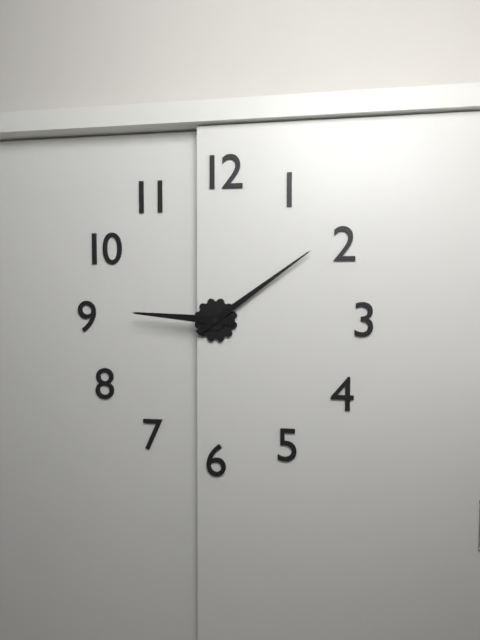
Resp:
**9:09**
